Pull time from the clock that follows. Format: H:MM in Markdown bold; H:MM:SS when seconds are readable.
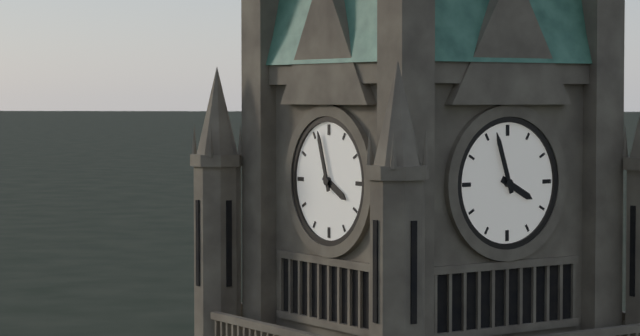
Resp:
**3:57**
